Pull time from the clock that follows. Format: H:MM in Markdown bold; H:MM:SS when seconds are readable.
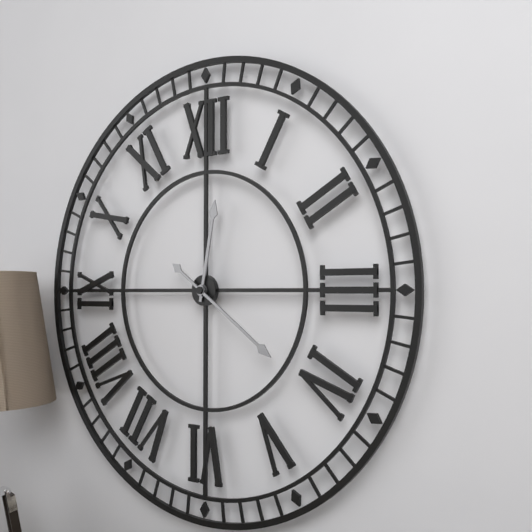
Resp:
**12:21**
